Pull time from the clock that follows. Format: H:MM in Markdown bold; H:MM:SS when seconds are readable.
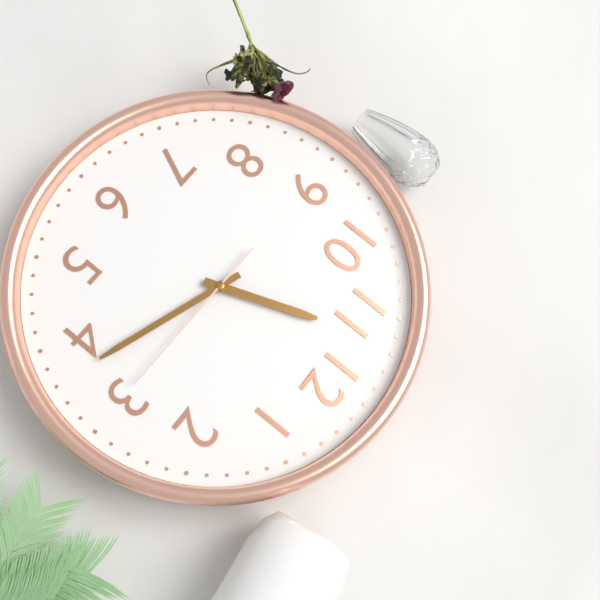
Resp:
**11:18:15**
